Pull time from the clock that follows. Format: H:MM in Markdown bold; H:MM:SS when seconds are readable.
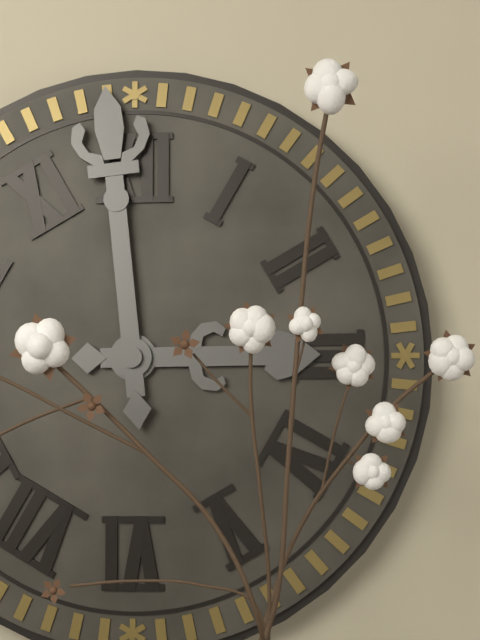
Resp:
**2:59**
